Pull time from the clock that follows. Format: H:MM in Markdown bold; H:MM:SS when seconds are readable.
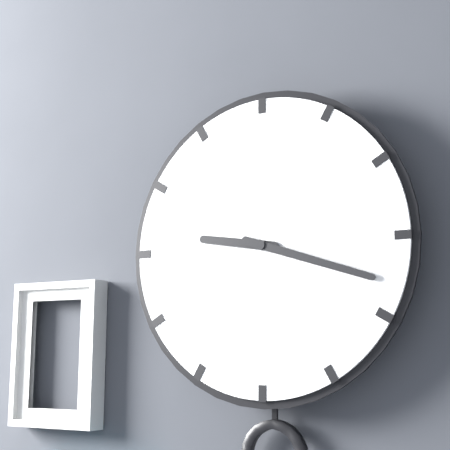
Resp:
**9:18**
